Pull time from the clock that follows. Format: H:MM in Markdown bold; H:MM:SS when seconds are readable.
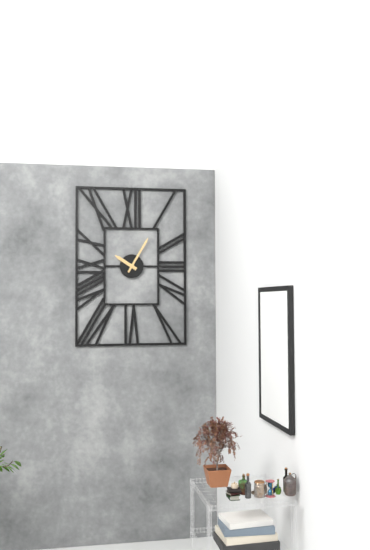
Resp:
**10:05**
